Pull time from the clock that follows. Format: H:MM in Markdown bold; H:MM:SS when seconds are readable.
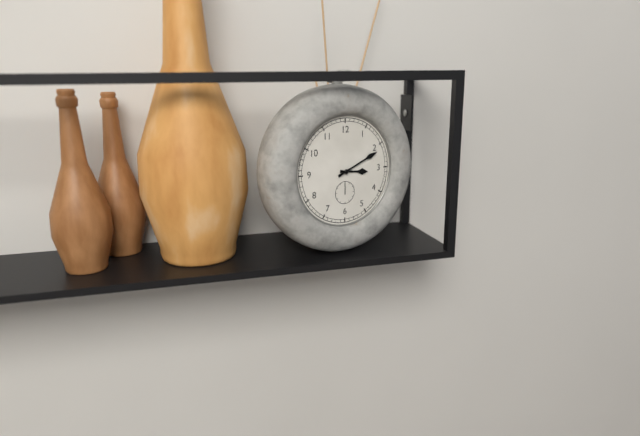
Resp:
**3:11**
